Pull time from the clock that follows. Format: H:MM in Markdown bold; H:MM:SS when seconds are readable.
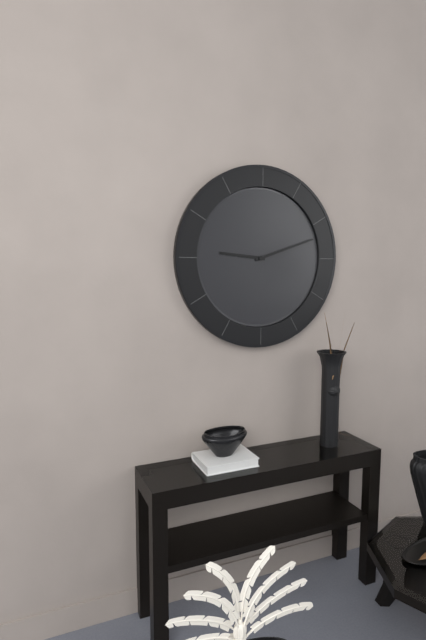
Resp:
**9:12**
